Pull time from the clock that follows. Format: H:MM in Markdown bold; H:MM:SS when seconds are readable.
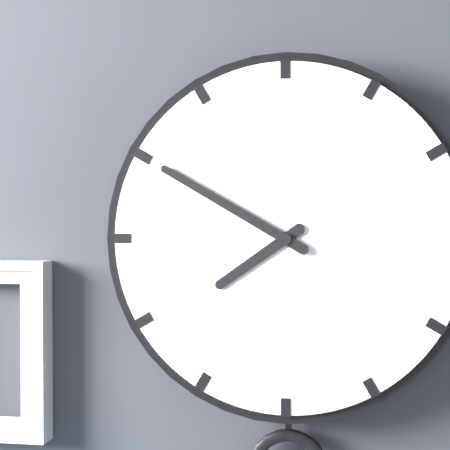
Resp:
**7:50**
